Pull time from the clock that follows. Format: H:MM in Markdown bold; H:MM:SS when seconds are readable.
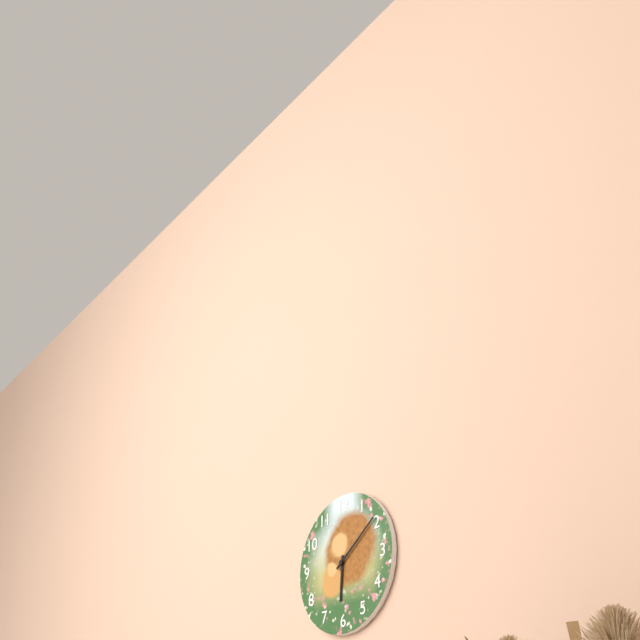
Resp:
**6:09**
